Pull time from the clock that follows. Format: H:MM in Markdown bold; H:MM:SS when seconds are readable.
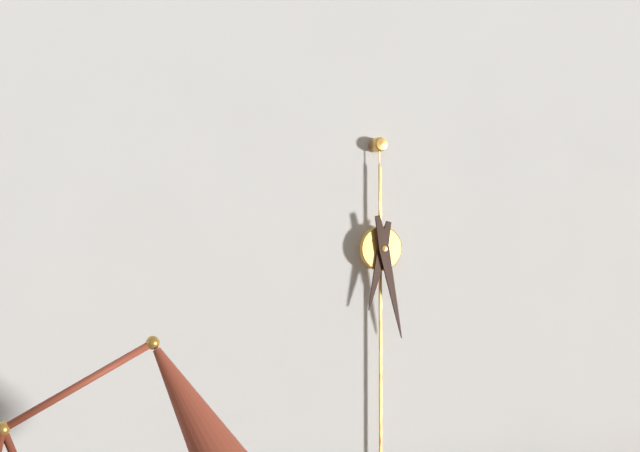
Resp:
**6:28**
